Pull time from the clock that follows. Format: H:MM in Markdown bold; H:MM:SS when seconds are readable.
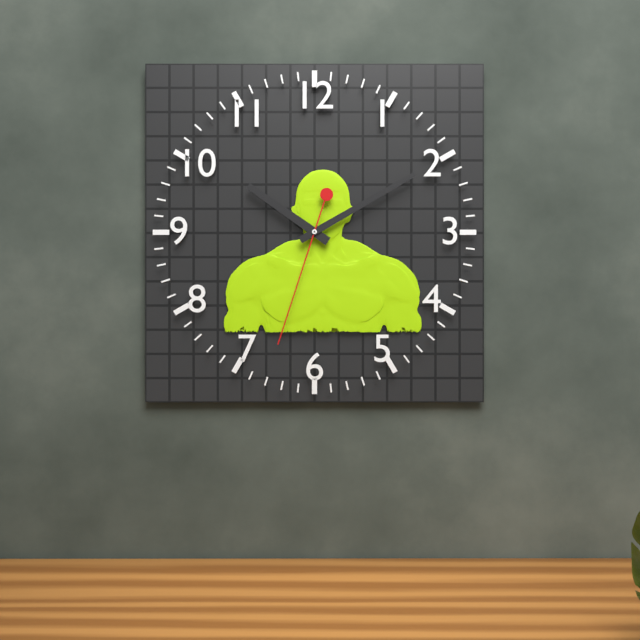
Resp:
**10:10:33**
